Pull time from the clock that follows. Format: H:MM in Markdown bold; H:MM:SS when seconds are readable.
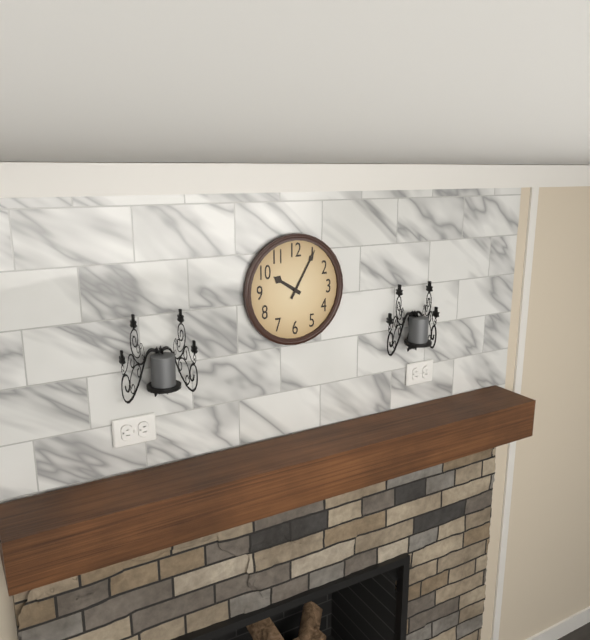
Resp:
**10:05**
